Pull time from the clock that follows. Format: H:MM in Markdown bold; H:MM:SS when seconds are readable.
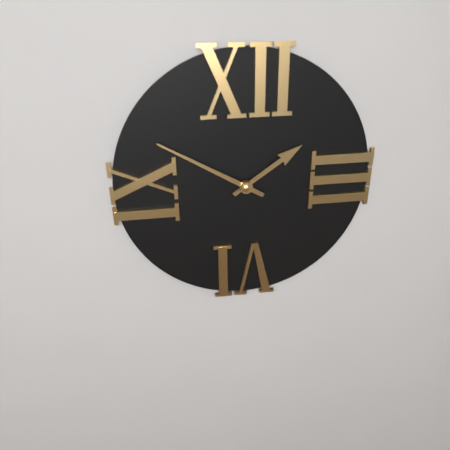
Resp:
**1:50**
